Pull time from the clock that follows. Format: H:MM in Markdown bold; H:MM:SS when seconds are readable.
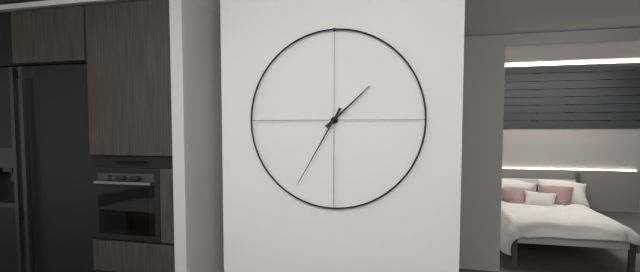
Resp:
**1:35**
